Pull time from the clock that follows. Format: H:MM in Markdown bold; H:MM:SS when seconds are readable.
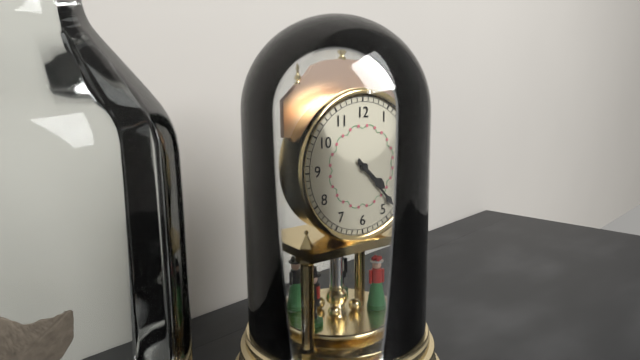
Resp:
**4:23**
